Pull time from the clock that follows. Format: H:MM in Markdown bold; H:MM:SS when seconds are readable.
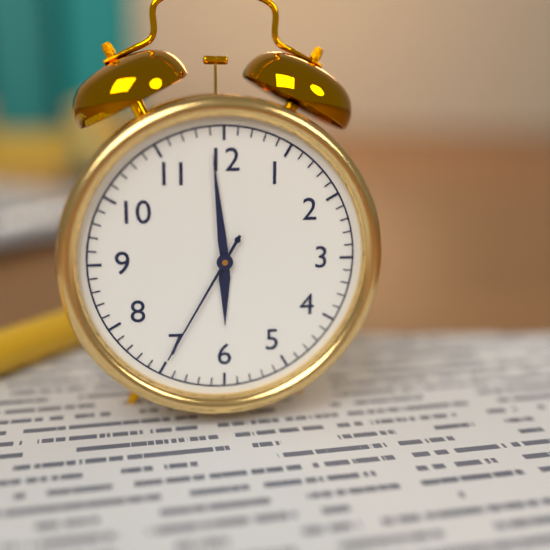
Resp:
**5:59:35**
